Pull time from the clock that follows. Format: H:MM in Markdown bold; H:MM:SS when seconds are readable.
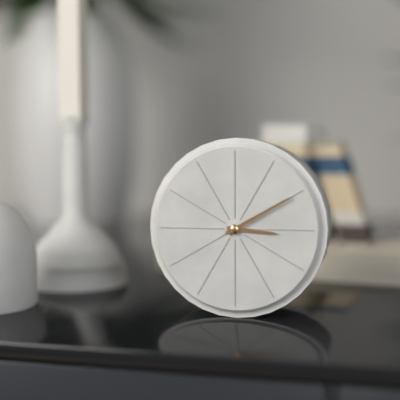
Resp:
**3:10**
